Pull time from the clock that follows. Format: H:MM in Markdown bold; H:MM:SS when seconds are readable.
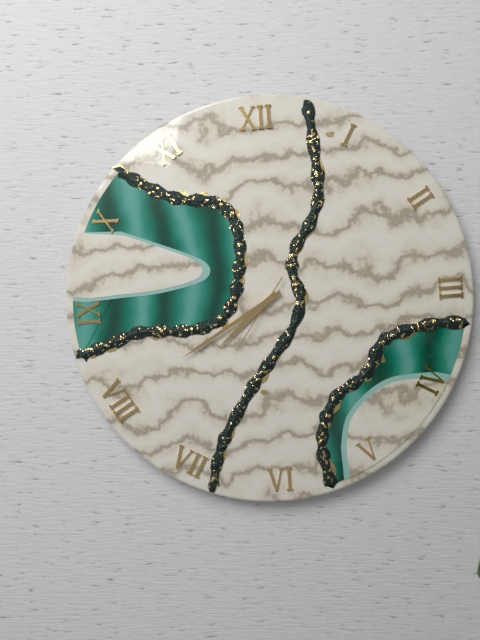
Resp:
**7:40:36**
